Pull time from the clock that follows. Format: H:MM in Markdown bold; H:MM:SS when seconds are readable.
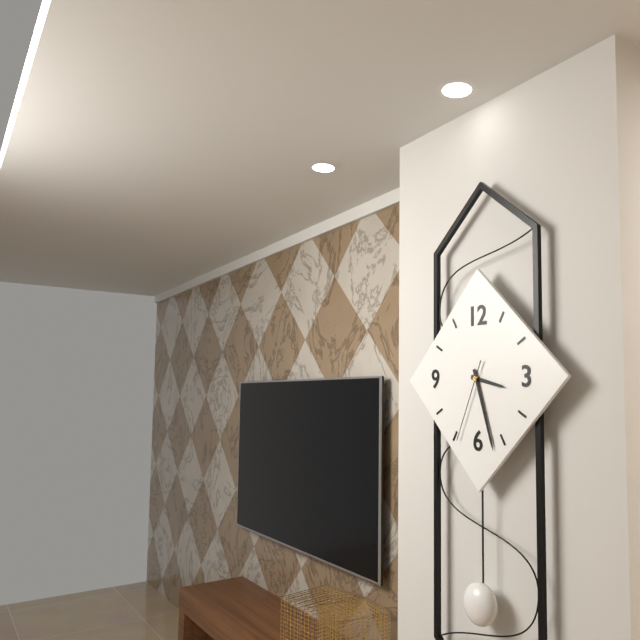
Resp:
**3:27:34**
